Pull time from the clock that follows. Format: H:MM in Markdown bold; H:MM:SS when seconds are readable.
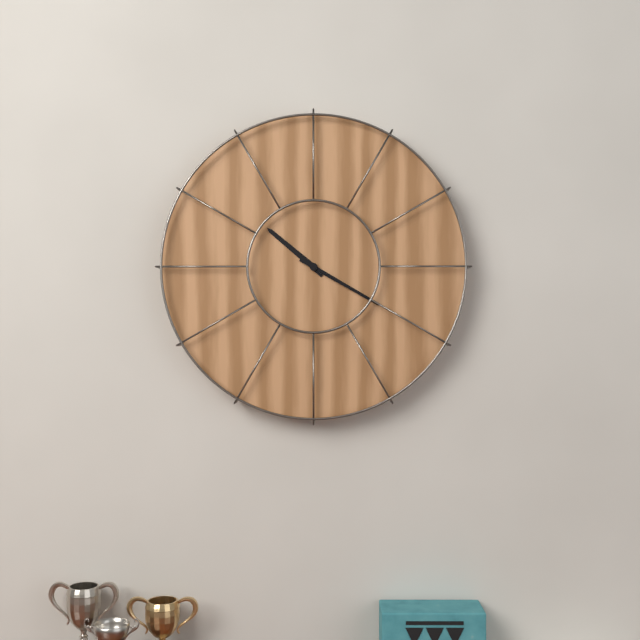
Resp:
**10:20**
